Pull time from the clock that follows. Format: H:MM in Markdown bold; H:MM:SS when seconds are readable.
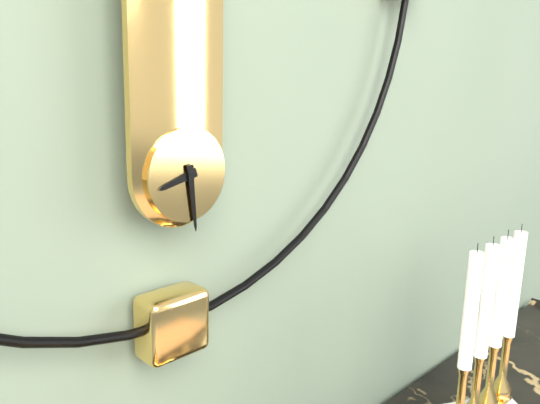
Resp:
**8:29**
